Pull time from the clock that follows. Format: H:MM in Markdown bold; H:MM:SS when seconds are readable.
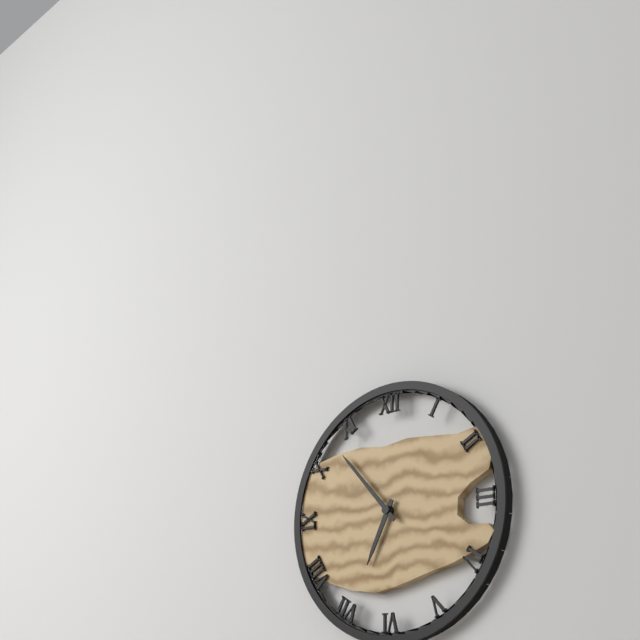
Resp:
**6:53**
